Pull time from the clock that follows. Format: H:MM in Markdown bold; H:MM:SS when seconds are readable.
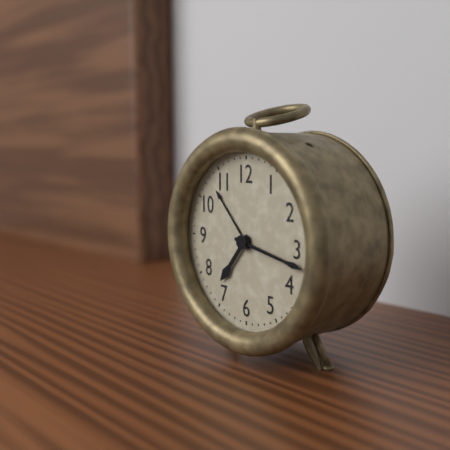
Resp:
**7:17**
